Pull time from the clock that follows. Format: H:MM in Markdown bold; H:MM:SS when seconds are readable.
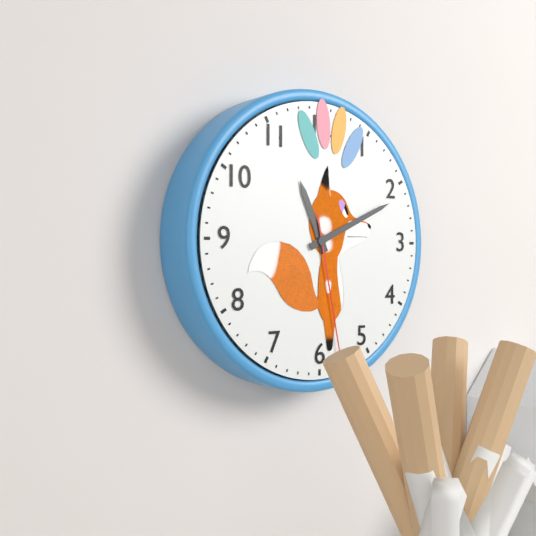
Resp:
**11:11:28**
